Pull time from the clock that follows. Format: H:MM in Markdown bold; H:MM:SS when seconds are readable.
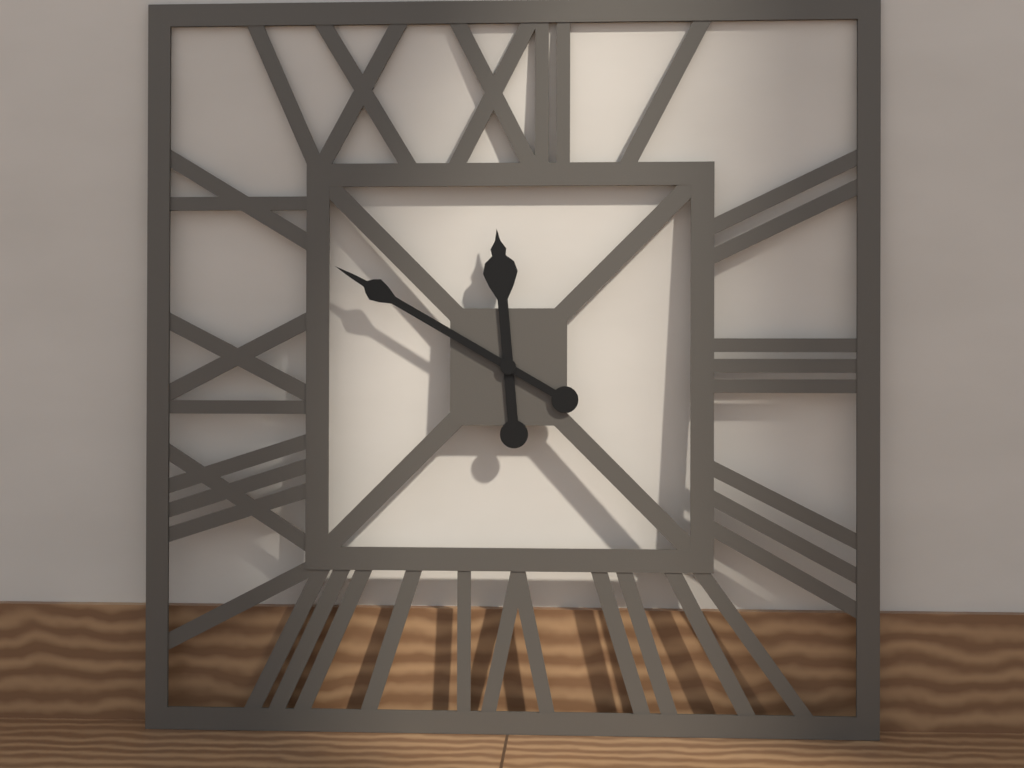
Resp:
**11:50**
